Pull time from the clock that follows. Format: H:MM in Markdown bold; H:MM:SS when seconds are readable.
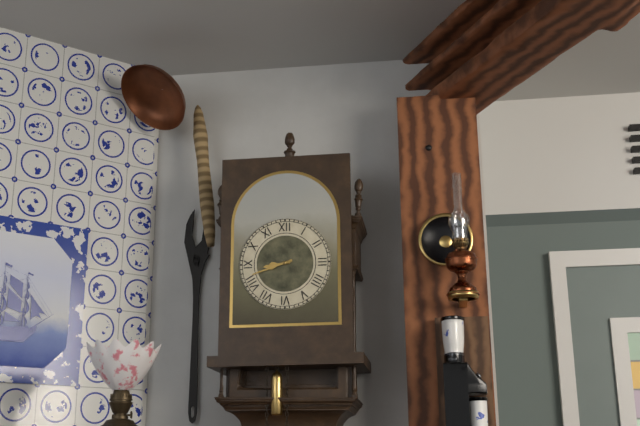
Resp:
**8:42**
